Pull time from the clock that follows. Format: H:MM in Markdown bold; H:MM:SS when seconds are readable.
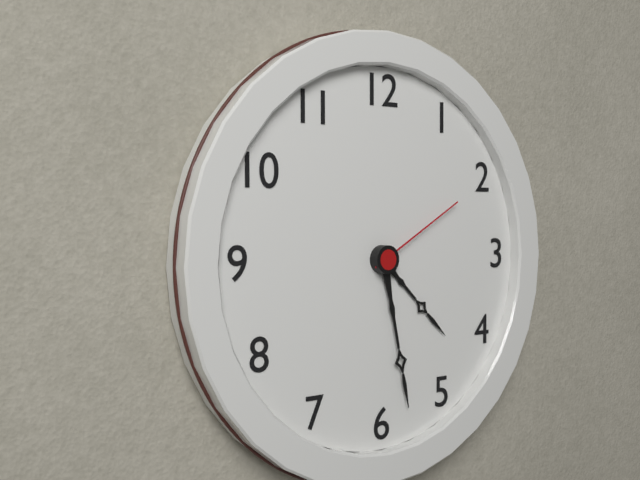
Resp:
**4:28:10**
